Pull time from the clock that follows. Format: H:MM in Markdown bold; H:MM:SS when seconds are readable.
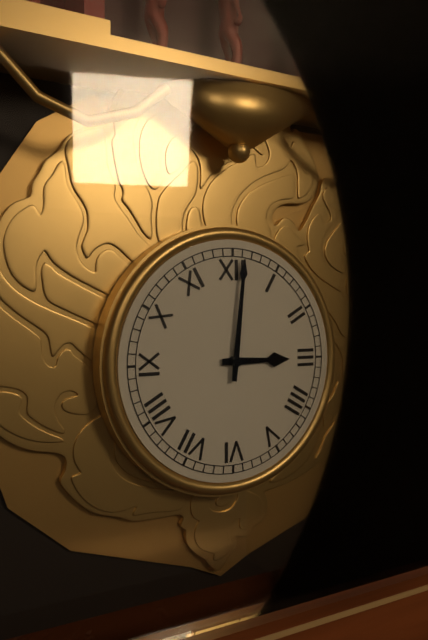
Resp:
**3:01**
